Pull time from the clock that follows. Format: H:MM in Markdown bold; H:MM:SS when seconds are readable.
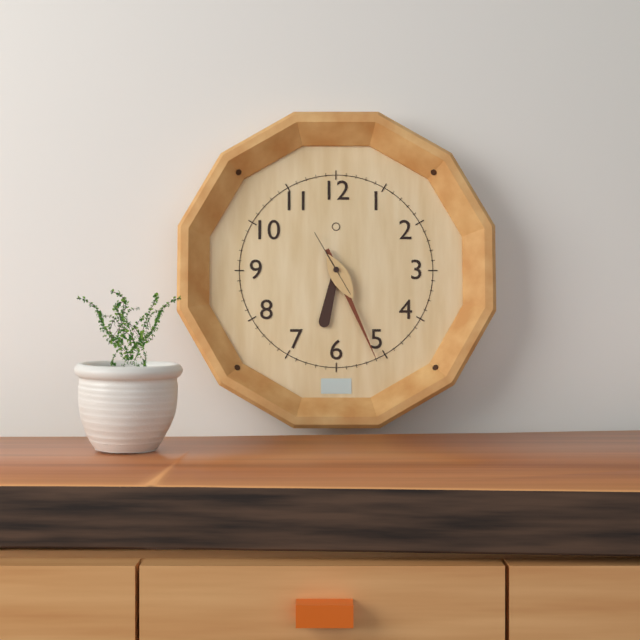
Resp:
**6:26:55**
